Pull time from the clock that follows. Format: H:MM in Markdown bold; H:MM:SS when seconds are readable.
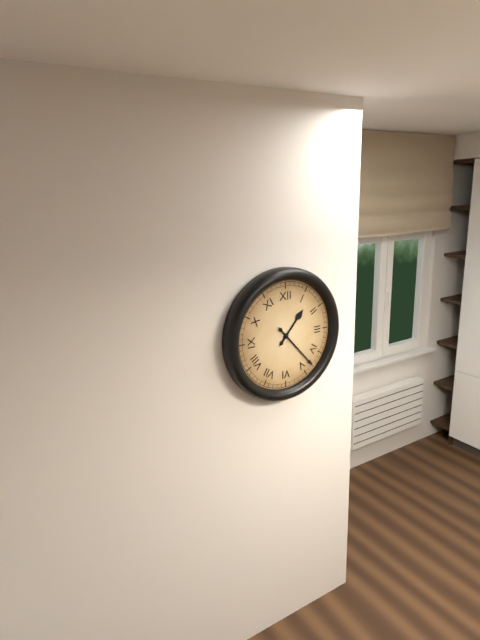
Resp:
**1:23**
